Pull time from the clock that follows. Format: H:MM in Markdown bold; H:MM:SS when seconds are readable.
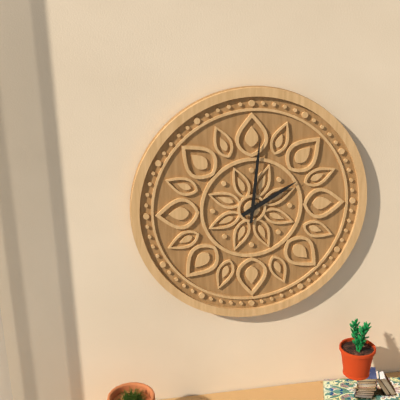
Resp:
**2:01**
